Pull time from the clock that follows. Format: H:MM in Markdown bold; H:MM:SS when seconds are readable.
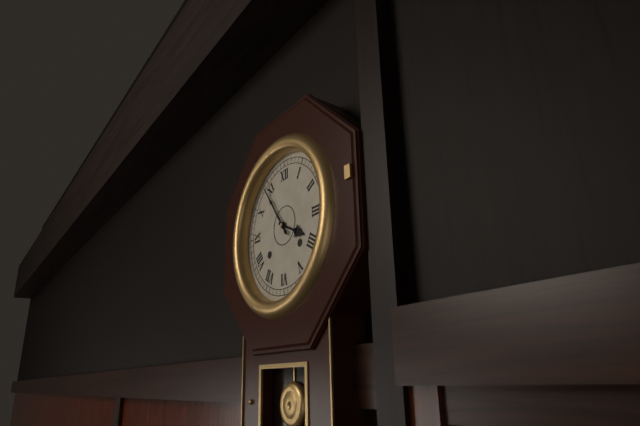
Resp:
**3:54**
